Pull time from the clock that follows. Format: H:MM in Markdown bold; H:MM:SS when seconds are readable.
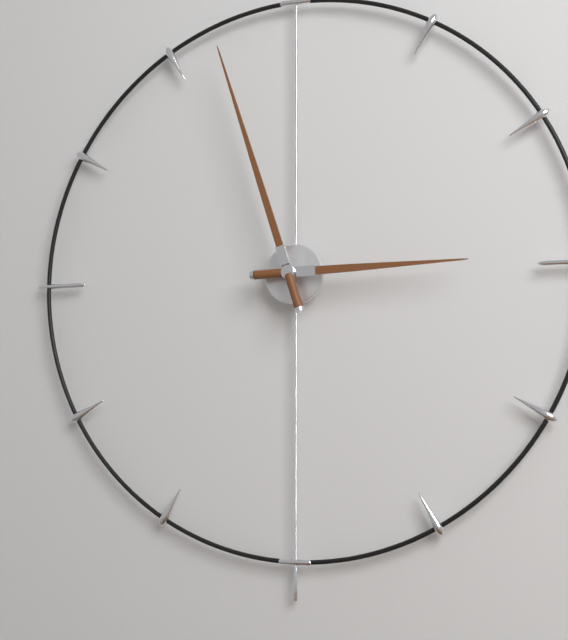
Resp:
**2:57**
